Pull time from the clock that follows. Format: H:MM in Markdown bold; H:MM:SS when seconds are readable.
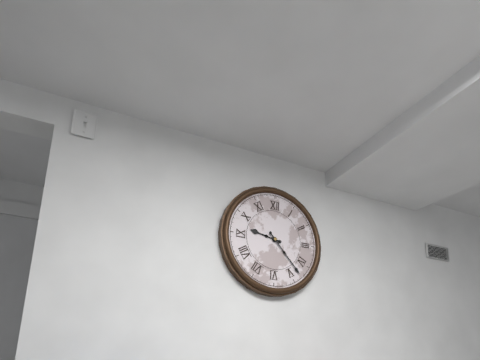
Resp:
**9:23**
